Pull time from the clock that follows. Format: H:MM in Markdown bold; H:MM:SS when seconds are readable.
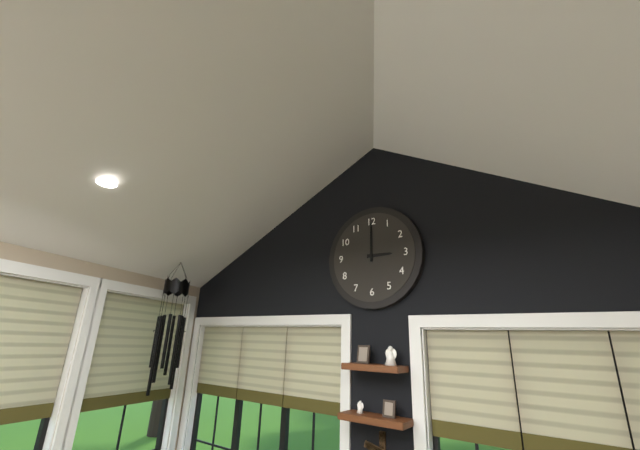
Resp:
**3:00**
